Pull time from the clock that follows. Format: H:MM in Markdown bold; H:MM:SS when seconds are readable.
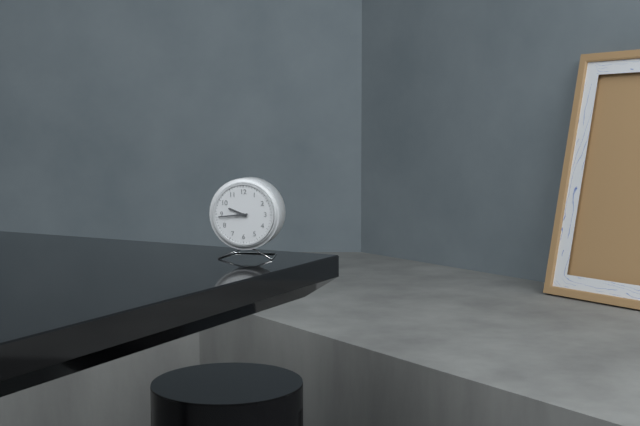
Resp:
**9:44**
